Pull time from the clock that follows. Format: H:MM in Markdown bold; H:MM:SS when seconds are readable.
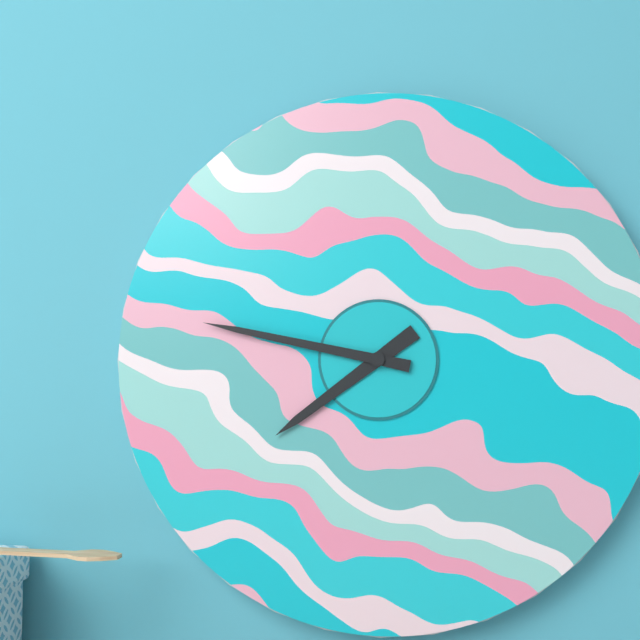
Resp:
**7:47**
